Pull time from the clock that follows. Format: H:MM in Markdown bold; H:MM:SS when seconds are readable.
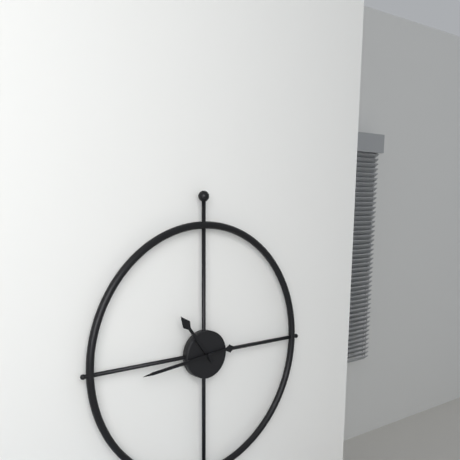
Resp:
**10:44**
